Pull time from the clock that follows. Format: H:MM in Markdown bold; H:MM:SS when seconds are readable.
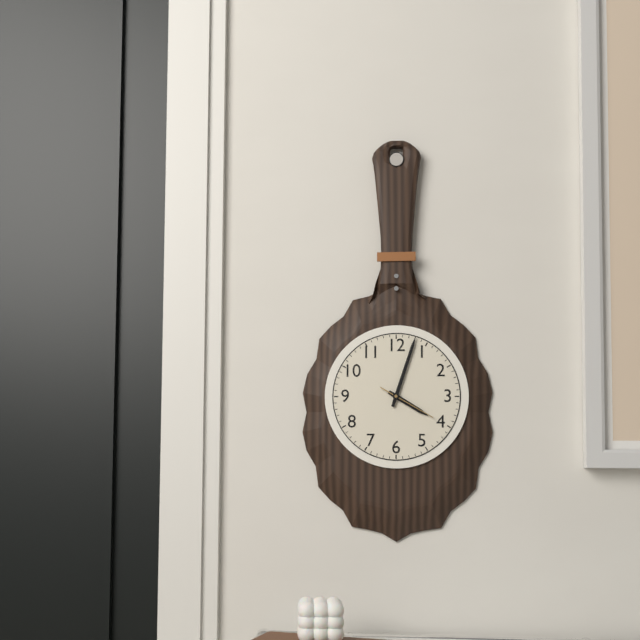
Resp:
**4:03:20**
